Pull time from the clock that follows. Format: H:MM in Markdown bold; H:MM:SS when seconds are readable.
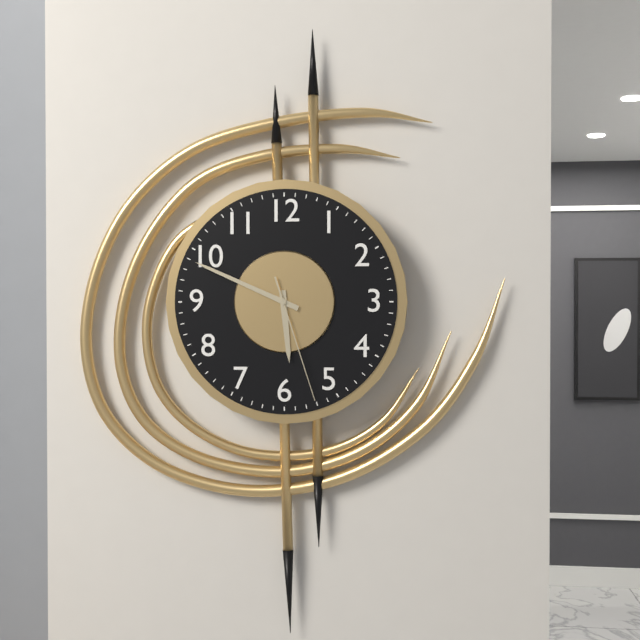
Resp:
**5:49:27**
